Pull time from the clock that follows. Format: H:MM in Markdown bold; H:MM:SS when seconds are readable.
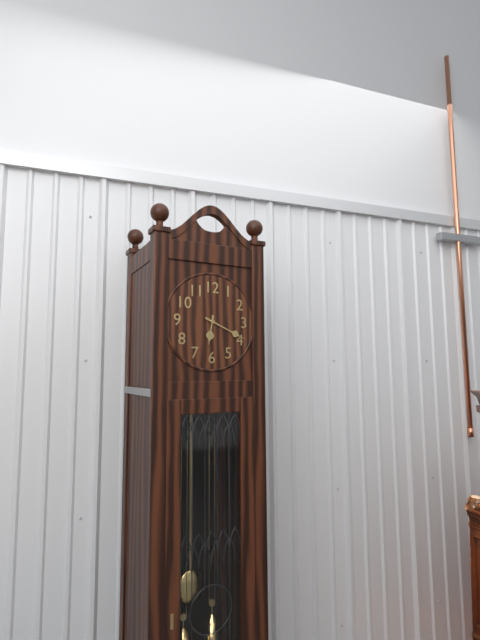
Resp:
**6:19**
